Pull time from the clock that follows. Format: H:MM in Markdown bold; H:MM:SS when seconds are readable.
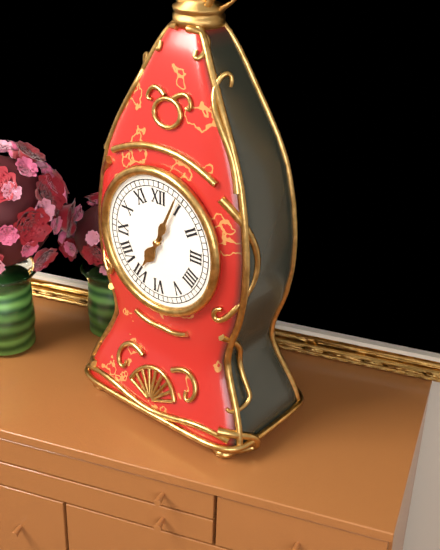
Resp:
**7:04**
